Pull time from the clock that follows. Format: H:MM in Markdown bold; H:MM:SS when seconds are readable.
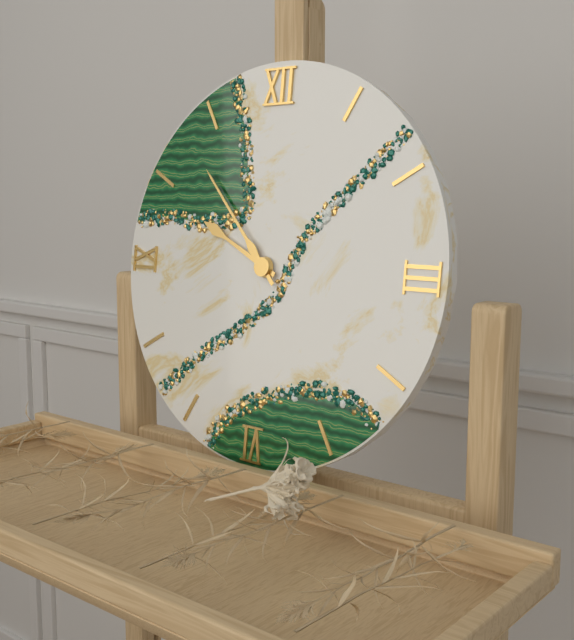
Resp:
**9:53**
